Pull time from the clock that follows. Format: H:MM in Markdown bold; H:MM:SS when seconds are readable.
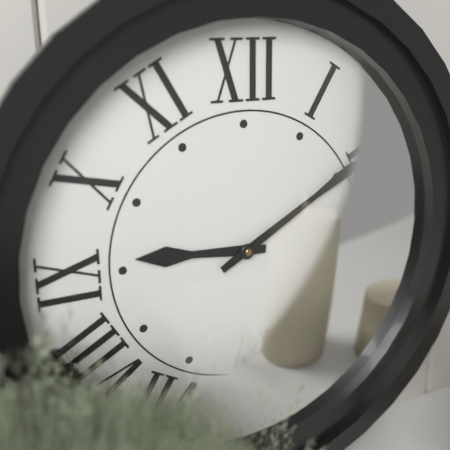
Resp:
**9:10**
